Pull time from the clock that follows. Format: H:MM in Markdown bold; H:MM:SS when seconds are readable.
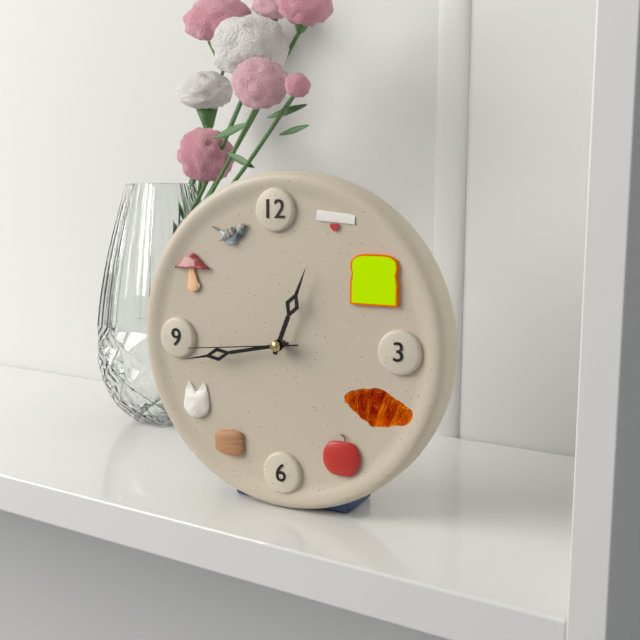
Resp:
**12:43:44**
